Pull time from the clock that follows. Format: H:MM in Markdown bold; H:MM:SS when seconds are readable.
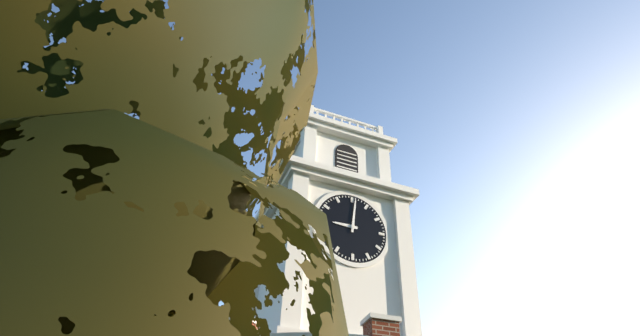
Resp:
**9:01**
